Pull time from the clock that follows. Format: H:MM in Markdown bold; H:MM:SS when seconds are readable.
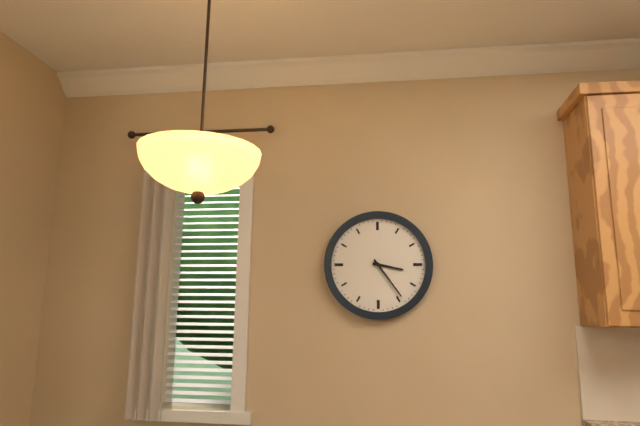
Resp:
**3:24**
